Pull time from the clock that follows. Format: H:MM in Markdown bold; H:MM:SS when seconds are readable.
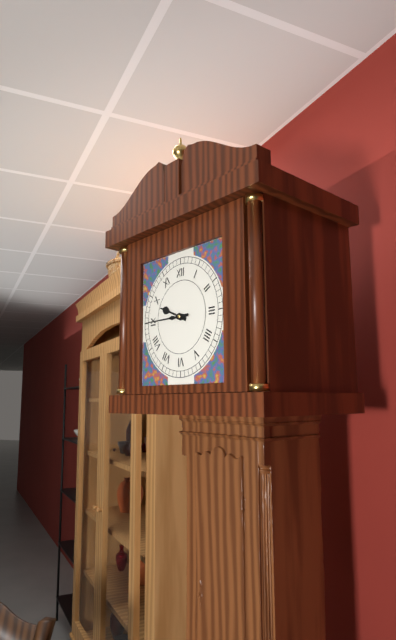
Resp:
**9:45**
